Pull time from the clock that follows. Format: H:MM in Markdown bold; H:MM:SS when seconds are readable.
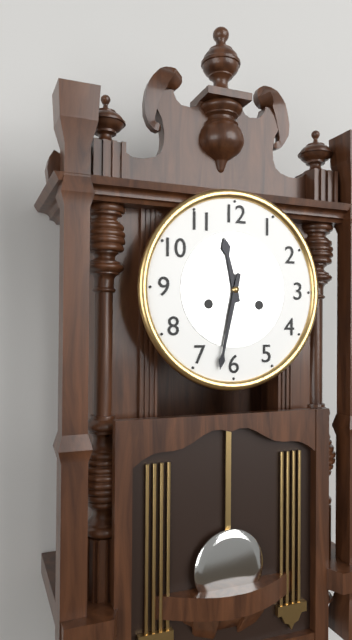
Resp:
**11:32**
